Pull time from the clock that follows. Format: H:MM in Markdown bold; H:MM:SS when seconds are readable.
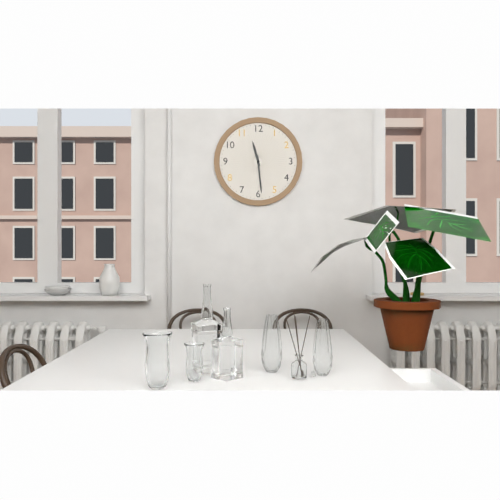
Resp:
**11:29**
